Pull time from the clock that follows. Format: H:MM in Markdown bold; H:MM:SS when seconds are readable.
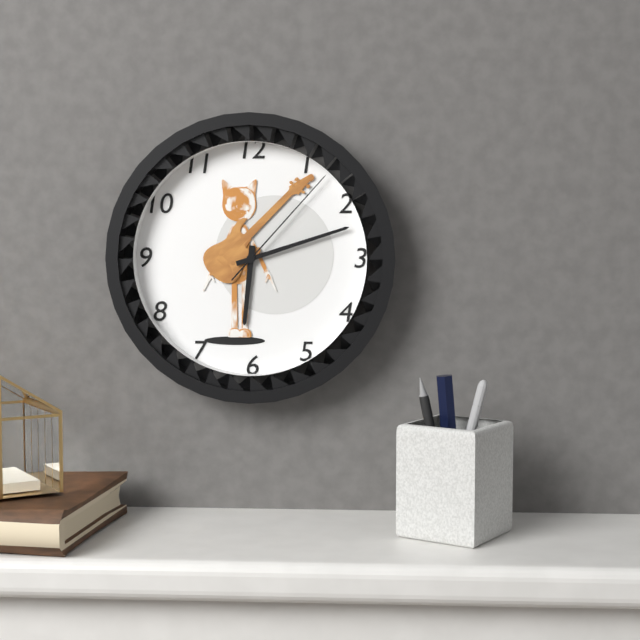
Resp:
**6:12:07**
